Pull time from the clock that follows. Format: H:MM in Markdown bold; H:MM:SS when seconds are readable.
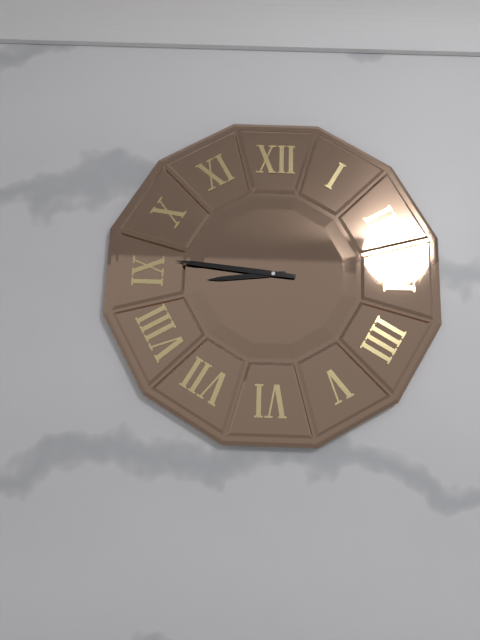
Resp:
**8:46**
